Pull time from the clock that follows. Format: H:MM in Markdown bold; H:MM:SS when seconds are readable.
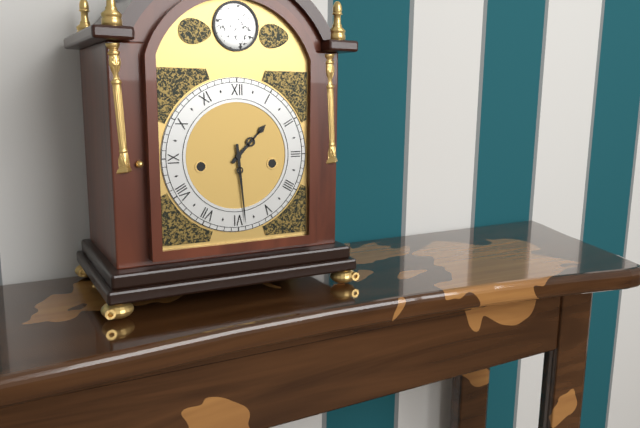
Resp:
**1:29**
